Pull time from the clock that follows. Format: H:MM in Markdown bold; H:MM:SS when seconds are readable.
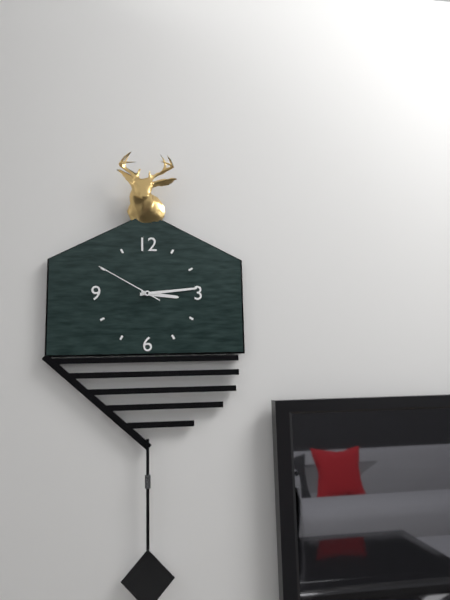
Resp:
**3:14:50**
